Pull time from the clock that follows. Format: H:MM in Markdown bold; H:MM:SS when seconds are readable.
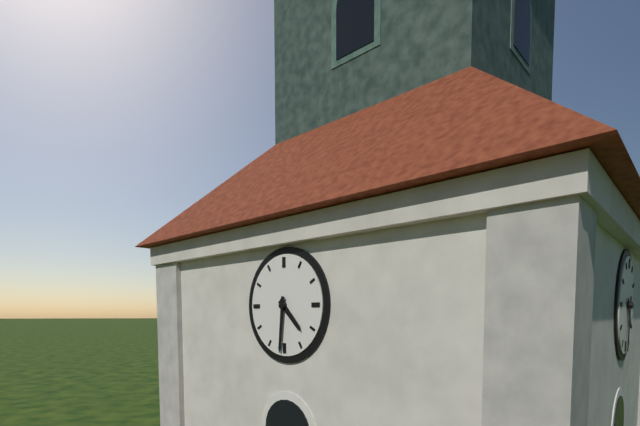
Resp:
**4:31**
